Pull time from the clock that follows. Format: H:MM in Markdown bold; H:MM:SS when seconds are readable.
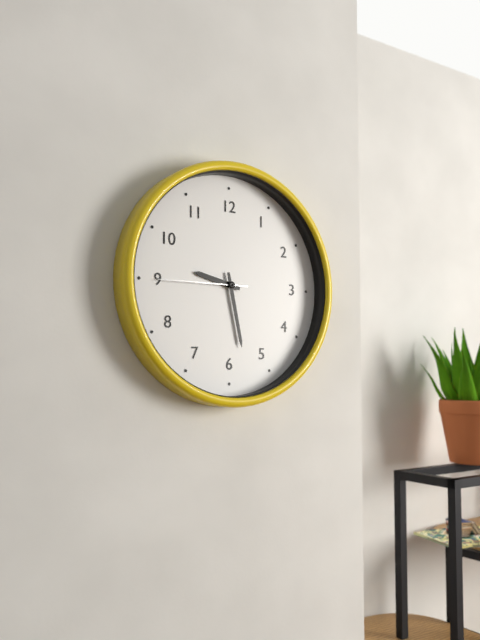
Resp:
**9:28:45**
